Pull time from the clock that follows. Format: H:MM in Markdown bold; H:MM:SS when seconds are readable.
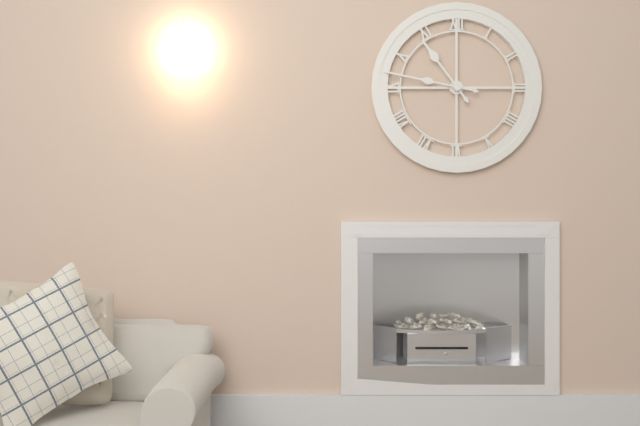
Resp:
**10:47**
